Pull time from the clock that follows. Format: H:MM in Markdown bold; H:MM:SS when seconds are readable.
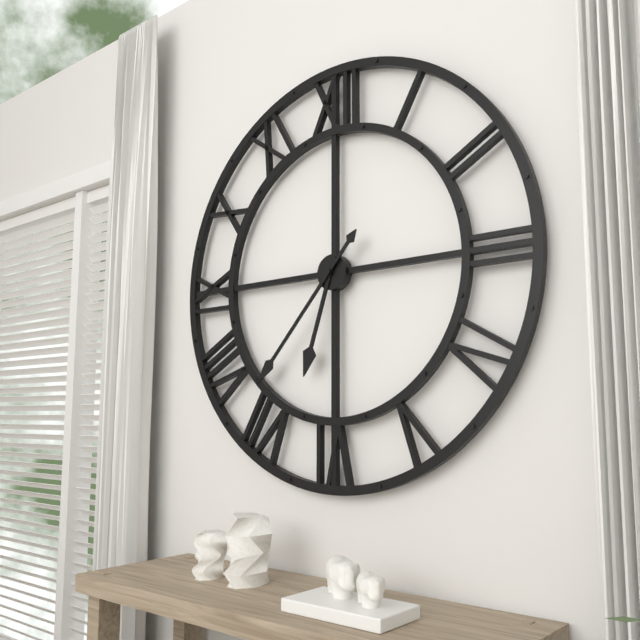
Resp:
**6:37**
